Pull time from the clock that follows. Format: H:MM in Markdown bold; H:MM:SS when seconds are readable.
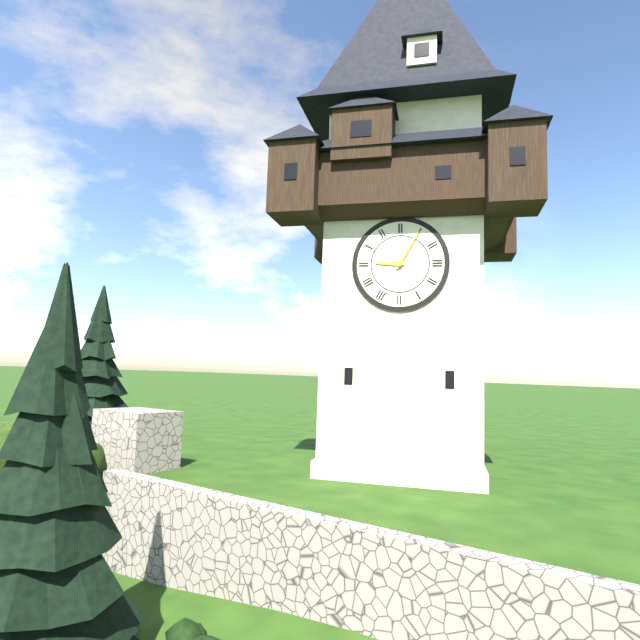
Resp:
**9:05**
